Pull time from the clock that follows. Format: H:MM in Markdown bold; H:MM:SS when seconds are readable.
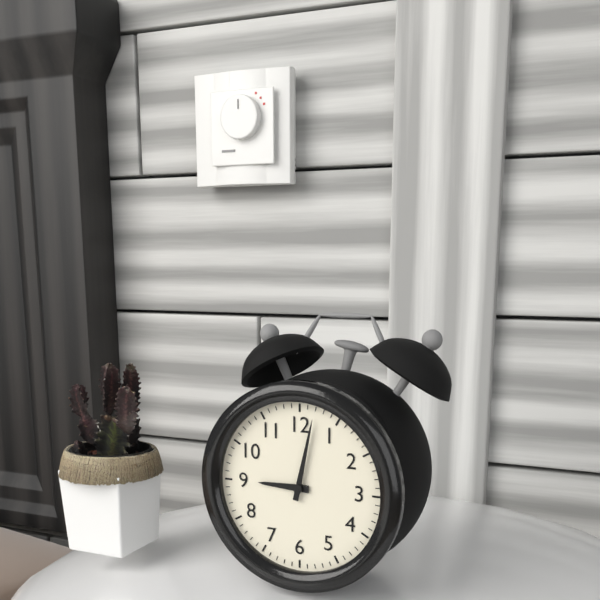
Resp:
**9:02**
